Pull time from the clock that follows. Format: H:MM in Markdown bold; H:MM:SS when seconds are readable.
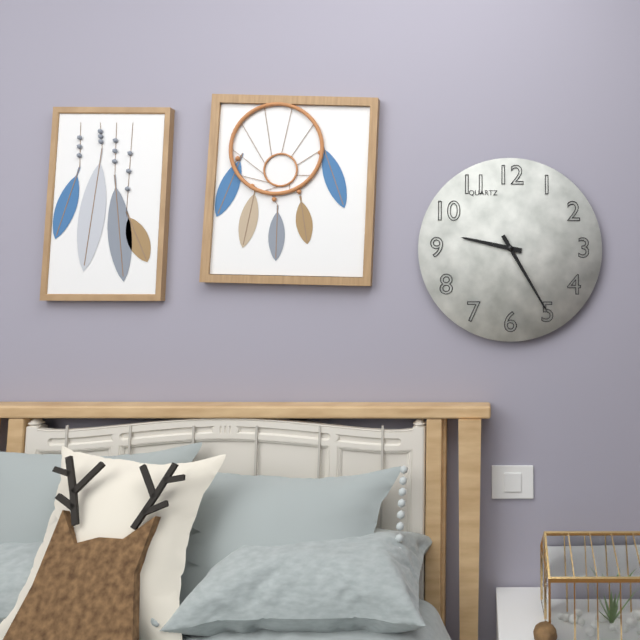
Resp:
**9:25**
